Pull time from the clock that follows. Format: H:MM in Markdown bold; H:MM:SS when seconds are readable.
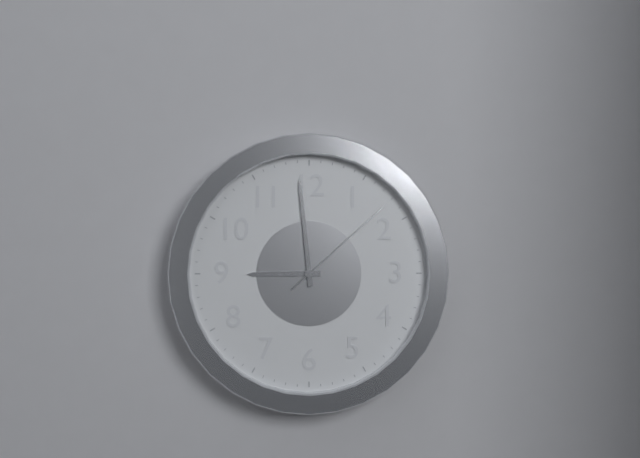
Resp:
**8:59:08**
